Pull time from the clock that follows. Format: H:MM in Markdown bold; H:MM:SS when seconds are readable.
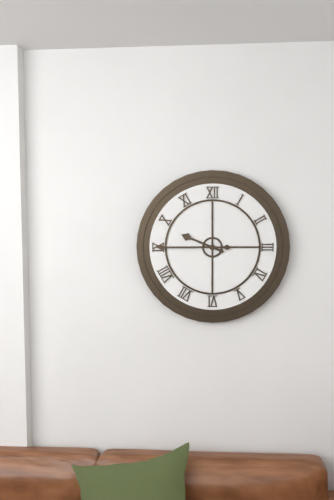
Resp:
**9:45**
